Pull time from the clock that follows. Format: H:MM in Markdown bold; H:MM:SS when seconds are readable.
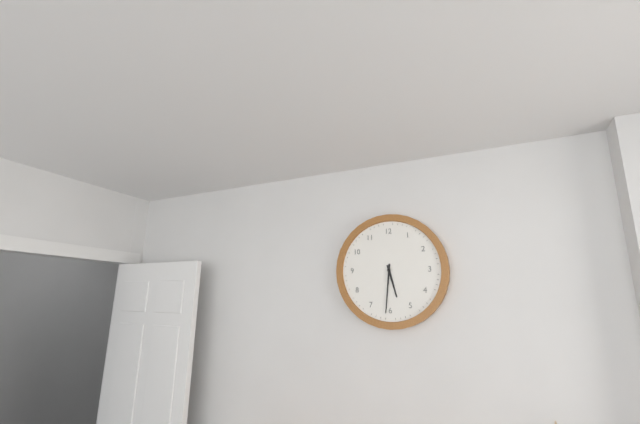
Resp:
**5:31**
